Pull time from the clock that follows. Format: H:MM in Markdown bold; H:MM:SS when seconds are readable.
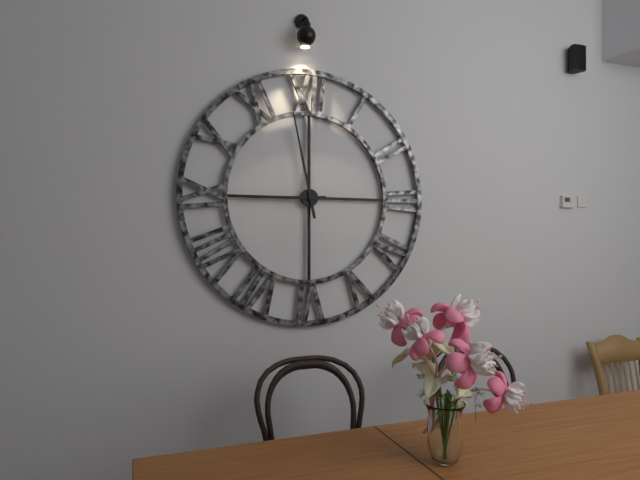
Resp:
**8:58**
